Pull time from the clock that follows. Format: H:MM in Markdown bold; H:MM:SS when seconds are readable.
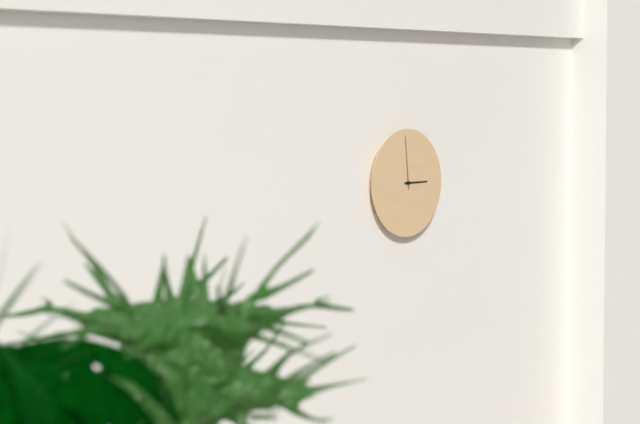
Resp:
**2:59**
